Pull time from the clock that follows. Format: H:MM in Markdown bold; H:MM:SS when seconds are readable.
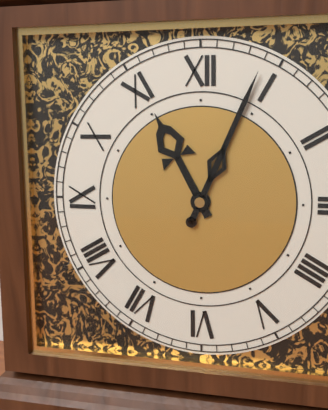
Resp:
**11:04**
